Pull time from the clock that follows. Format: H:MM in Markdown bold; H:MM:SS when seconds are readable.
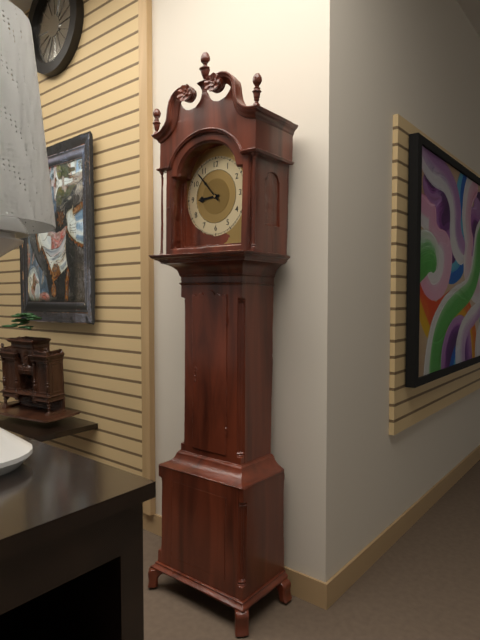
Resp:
**8:53**
